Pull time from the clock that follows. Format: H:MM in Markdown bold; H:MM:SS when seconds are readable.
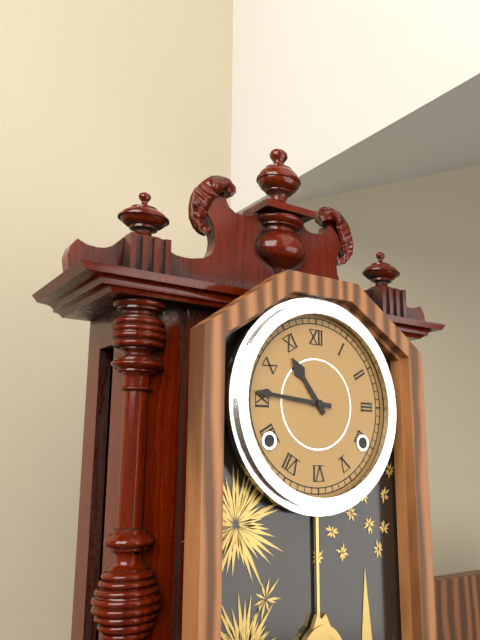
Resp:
**10:46**
